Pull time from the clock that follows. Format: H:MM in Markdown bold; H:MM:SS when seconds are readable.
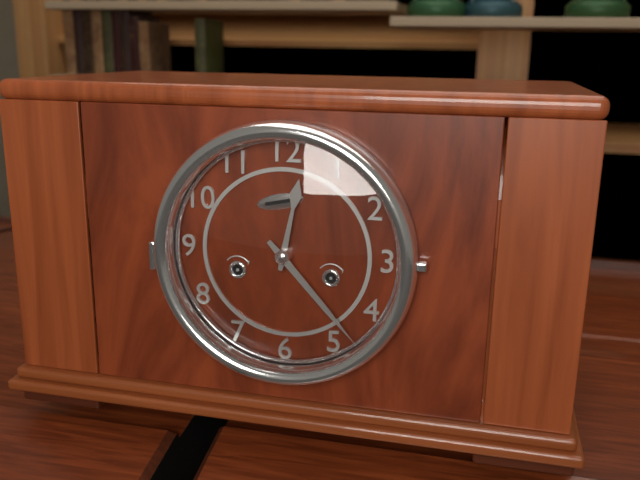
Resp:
**12:23**
